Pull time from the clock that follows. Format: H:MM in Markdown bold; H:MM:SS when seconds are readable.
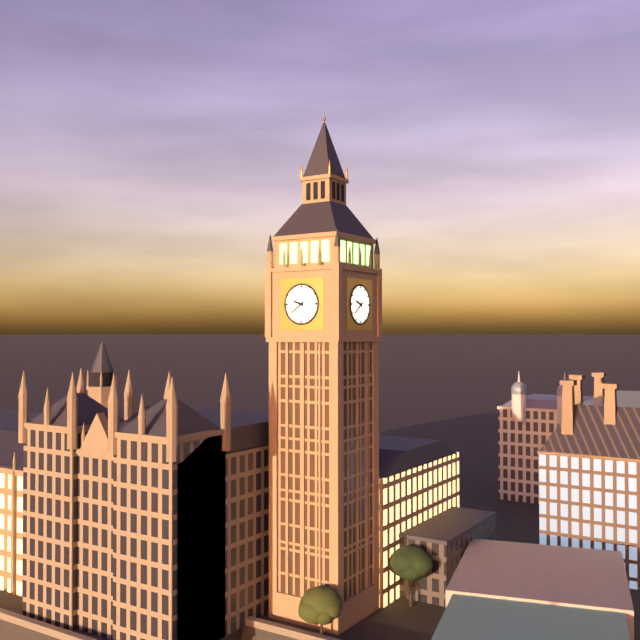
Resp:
**9:39**
